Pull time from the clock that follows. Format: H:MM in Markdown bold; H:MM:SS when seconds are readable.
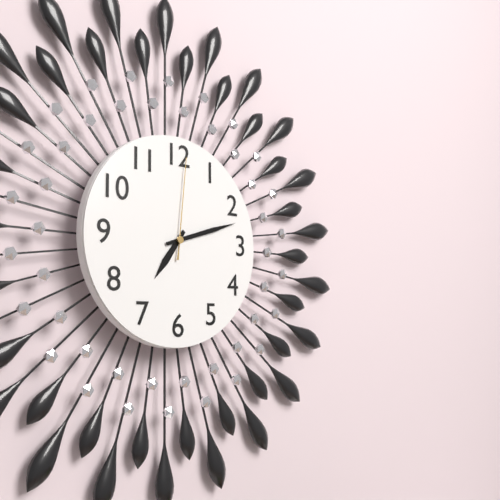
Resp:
**7:12:01**
